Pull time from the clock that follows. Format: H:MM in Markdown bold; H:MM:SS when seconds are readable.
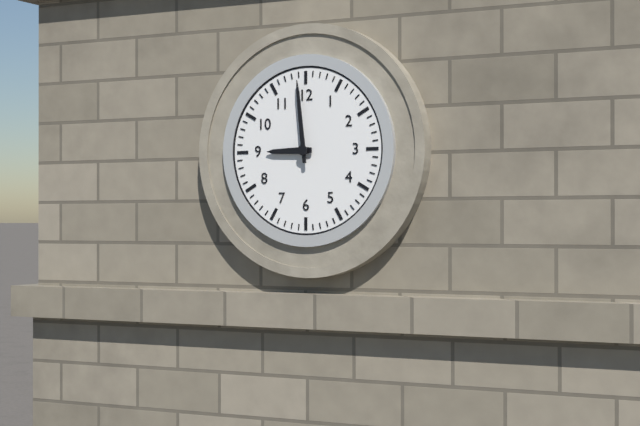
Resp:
**8:59**
